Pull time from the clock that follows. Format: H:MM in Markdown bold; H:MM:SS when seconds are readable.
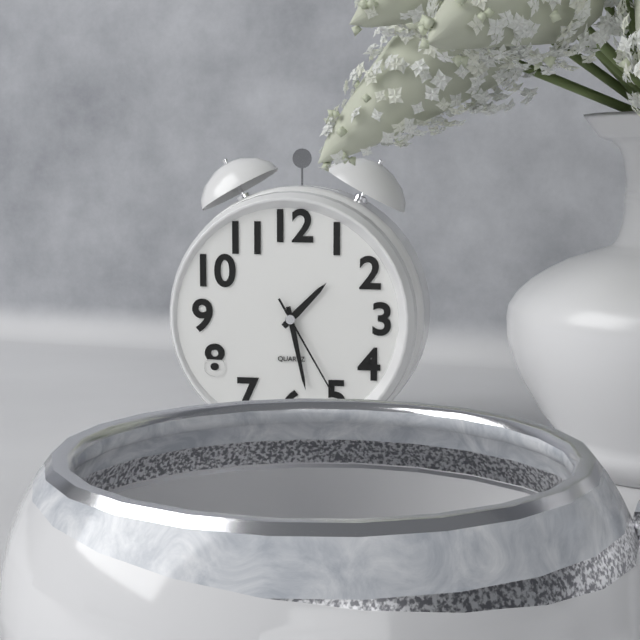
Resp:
**1:28:25**
